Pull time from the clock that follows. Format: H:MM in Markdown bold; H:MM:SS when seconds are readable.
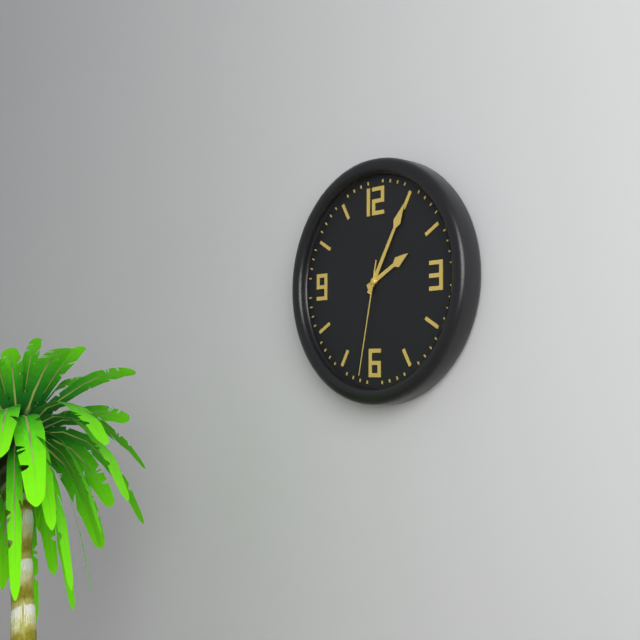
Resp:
**2:05:32**
